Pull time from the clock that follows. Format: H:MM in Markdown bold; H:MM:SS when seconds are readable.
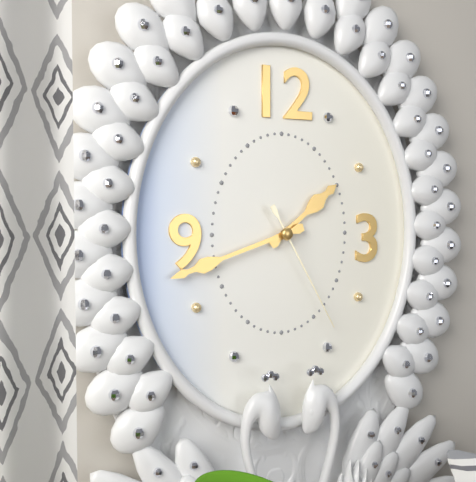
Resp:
**1:42:25**
